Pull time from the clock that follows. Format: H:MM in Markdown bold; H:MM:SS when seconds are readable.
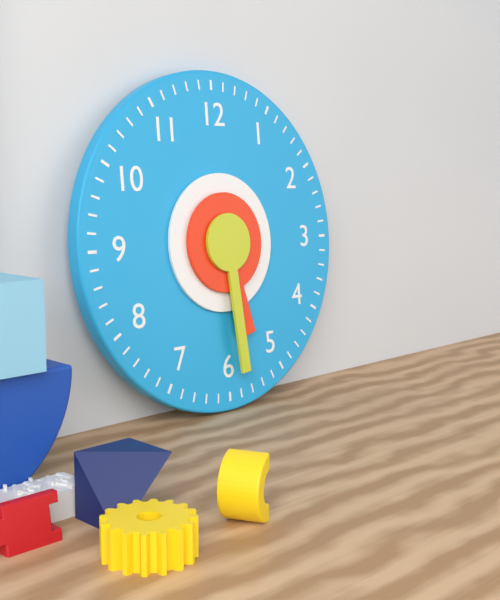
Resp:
**5:29**
